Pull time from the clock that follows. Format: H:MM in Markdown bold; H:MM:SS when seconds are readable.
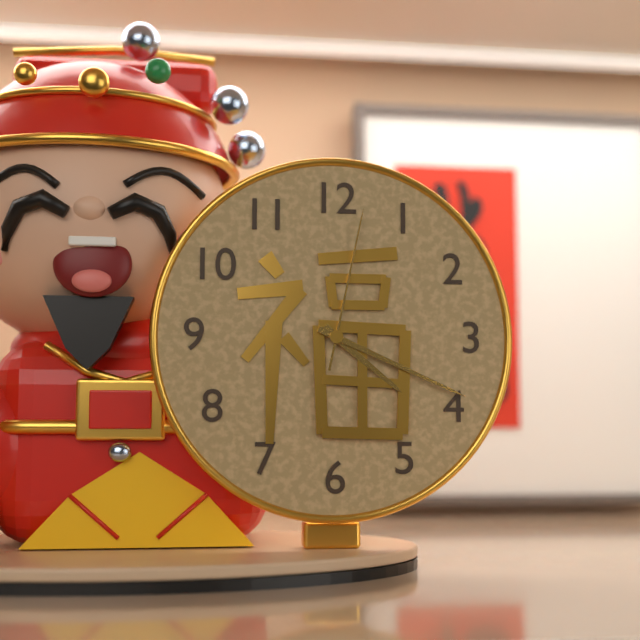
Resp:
**4:19:02**
